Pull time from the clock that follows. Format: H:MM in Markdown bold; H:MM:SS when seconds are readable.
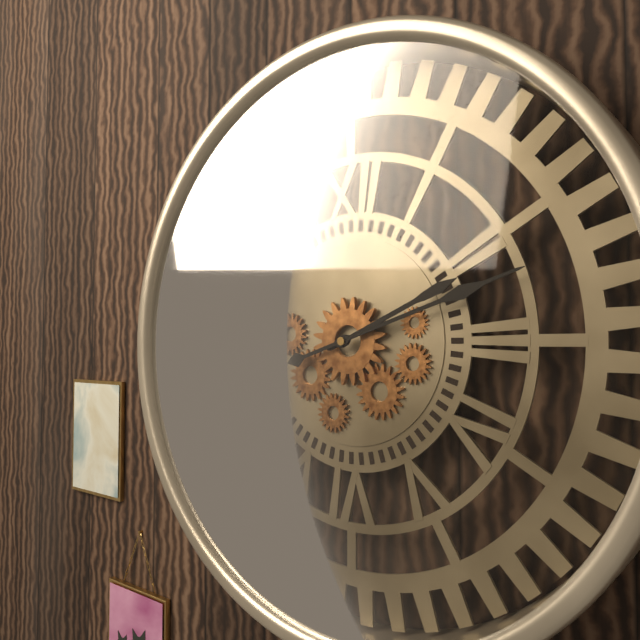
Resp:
**2:12**
